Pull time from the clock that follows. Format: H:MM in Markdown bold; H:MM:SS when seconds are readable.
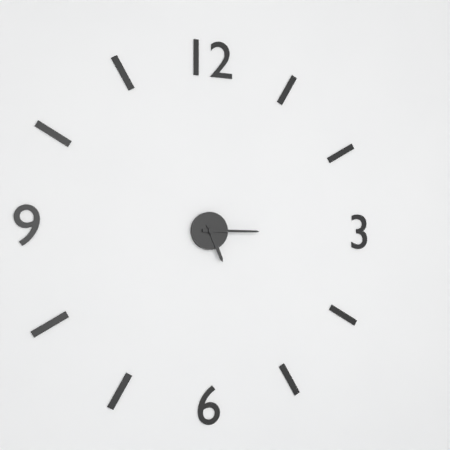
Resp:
**5:15**
